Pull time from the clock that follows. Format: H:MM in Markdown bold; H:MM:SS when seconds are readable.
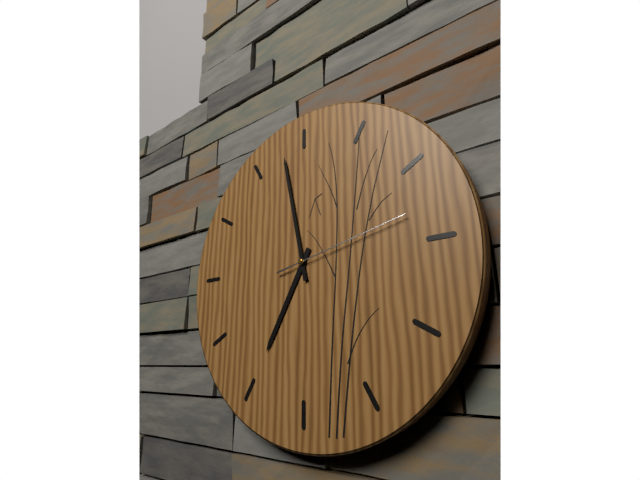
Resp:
**6:58:13**
